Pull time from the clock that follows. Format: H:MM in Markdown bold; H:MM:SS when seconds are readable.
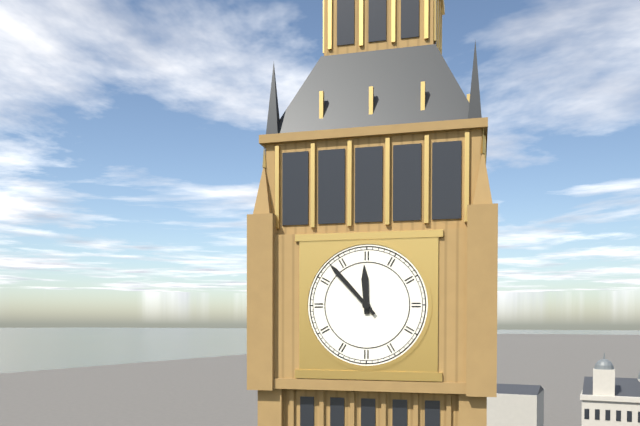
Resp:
**11:53**
